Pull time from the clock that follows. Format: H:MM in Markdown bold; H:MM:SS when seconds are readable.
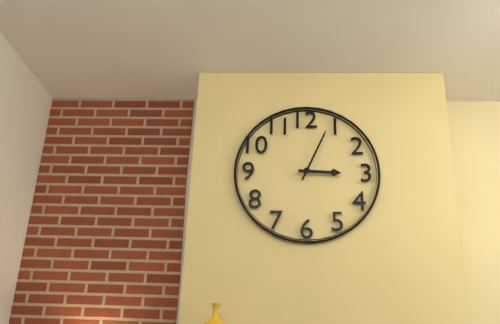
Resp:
**3:04**
